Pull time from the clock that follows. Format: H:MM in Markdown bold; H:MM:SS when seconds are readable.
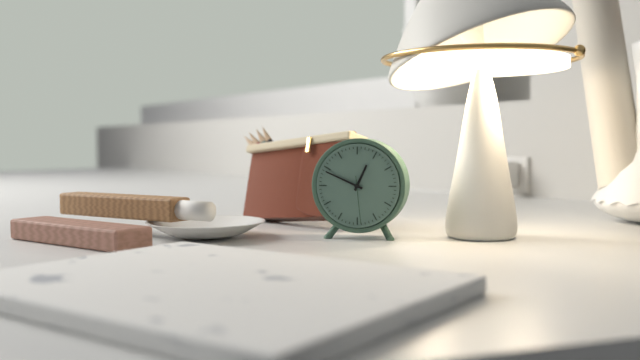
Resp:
**12:49**
